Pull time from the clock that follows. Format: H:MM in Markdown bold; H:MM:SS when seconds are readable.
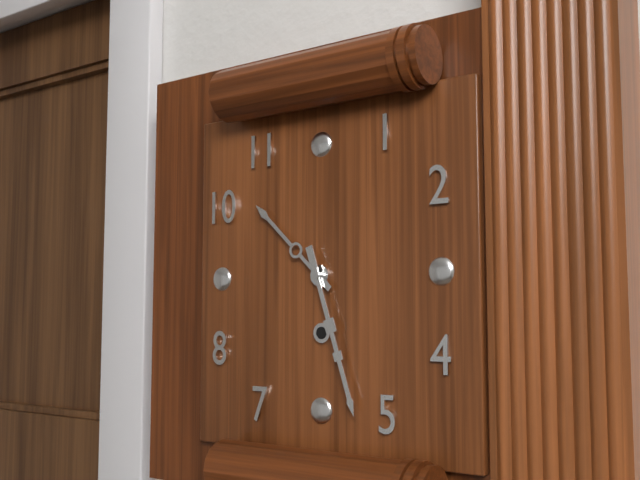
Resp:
**10:27**
